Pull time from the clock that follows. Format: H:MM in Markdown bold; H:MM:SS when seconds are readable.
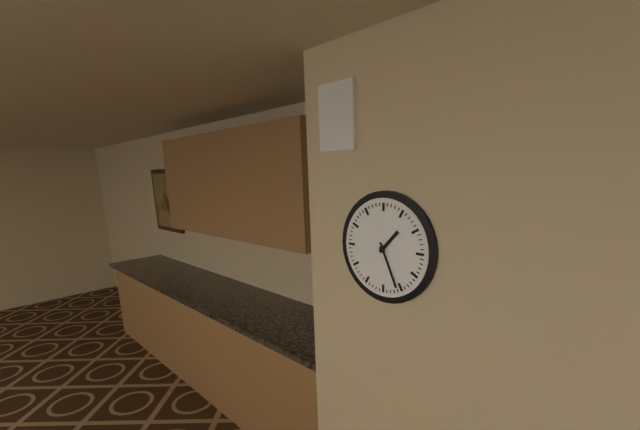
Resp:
**1:26**
